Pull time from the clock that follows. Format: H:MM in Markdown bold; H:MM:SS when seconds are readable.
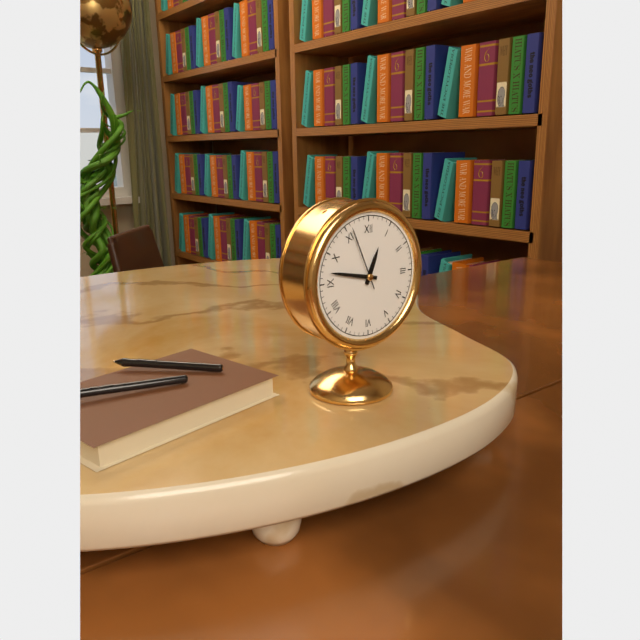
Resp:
**12:47:56**
